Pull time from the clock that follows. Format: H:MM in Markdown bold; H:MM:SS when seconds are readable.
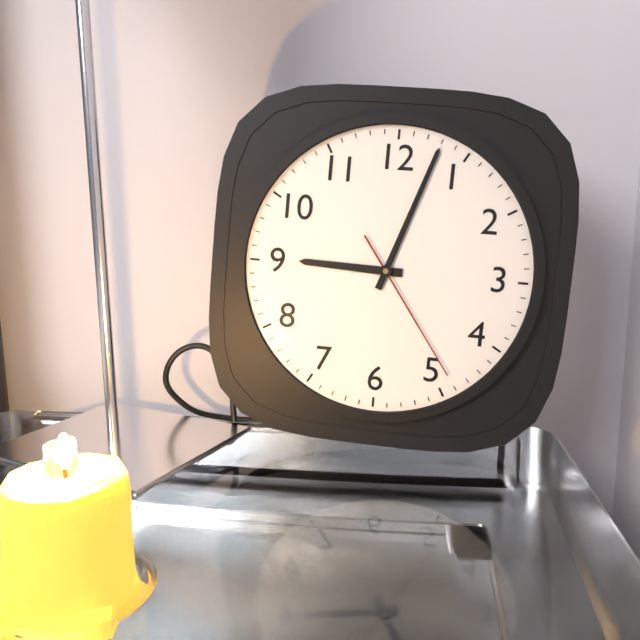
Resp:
**9:03:24**
